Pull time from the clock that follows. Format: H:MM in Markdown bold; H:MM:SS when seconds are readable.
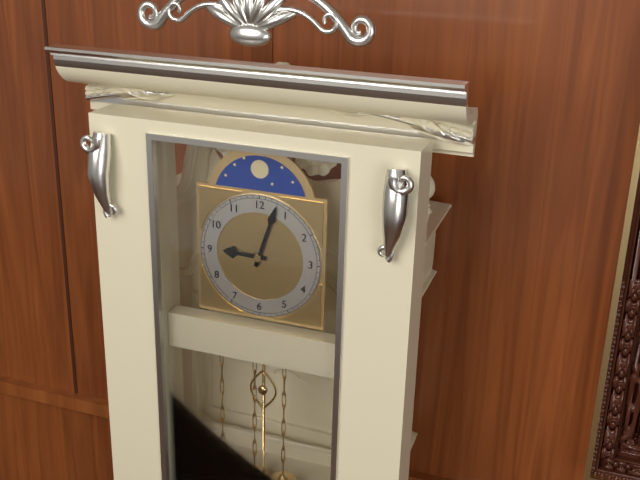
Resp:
**9:03**
